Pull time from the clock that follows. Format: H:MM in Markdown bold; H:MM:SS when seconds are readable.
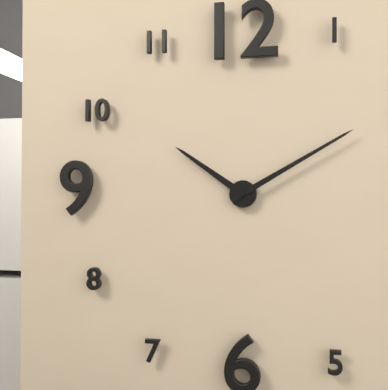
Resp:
**10:10**
